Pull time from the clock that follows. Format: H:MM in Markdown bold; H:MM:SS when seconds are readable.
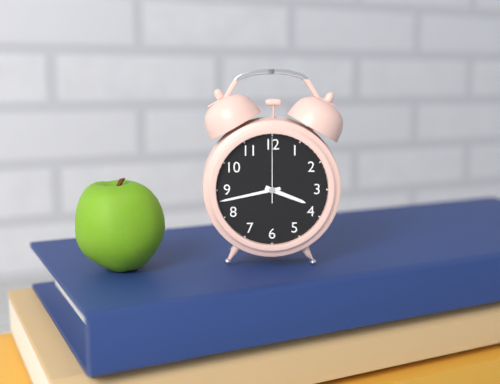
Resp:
**3:43:00**
